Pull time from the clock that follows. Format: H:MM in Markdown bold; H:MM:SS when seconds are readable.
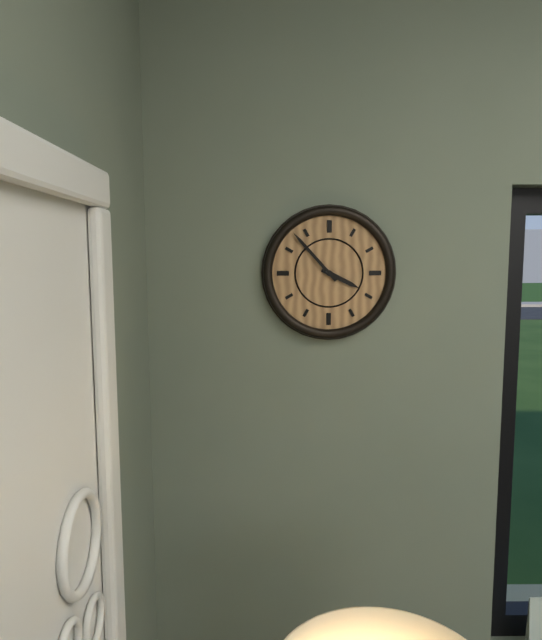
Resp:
**3:53**
